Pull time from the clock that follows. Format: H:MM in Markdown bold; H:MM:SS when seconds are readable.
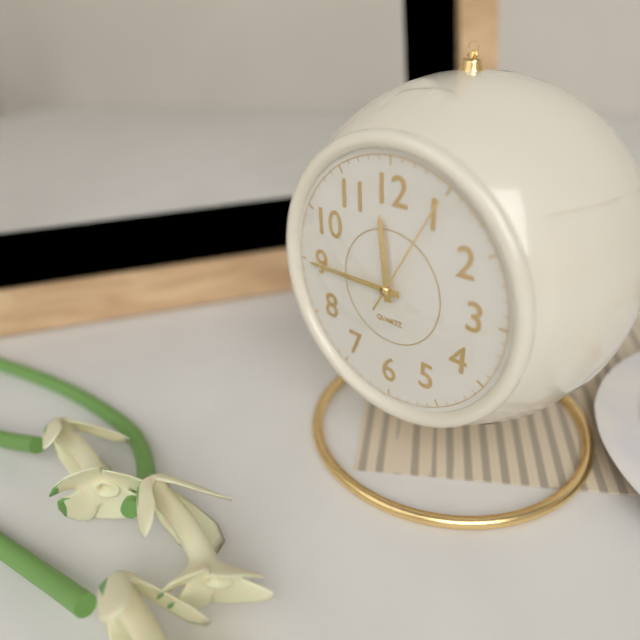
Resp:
**11:45:05**
